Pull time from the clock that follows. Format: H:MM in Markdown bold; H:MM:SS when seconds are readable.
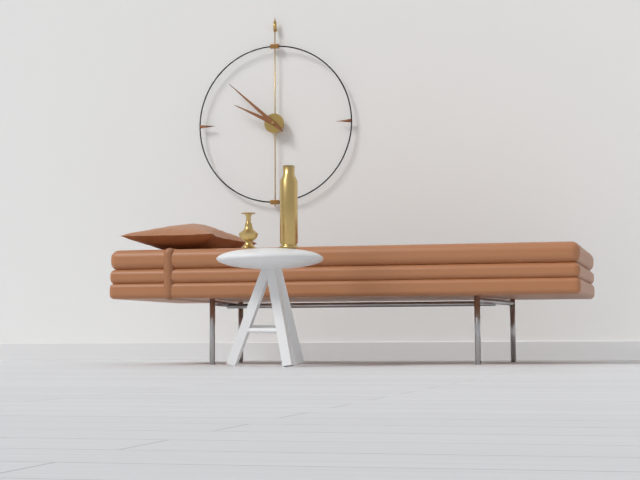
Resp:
**9:52**
